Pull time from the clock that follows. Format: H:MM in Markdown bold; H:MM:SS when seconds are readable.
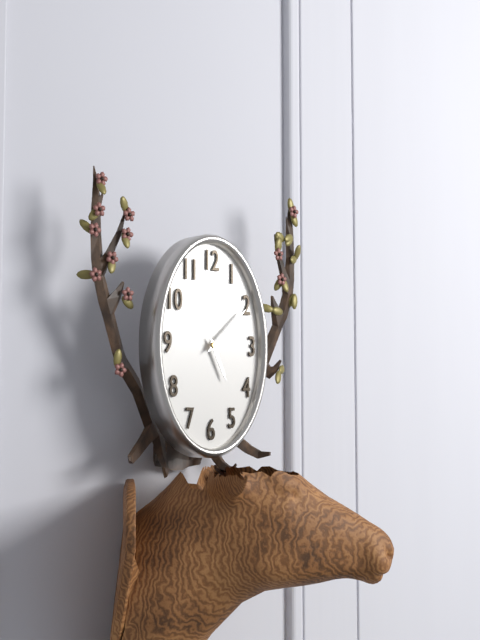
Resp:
**5:08**
